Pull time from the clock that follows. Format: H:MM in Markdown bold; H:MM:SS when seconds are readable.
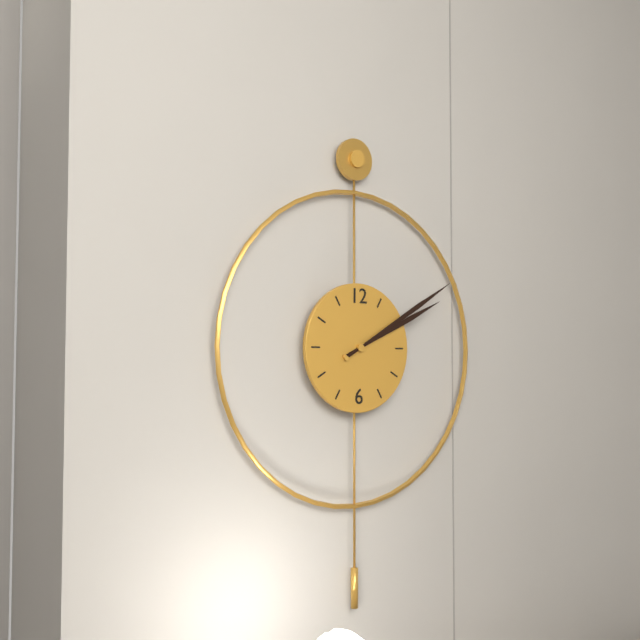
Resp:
**2:10**
